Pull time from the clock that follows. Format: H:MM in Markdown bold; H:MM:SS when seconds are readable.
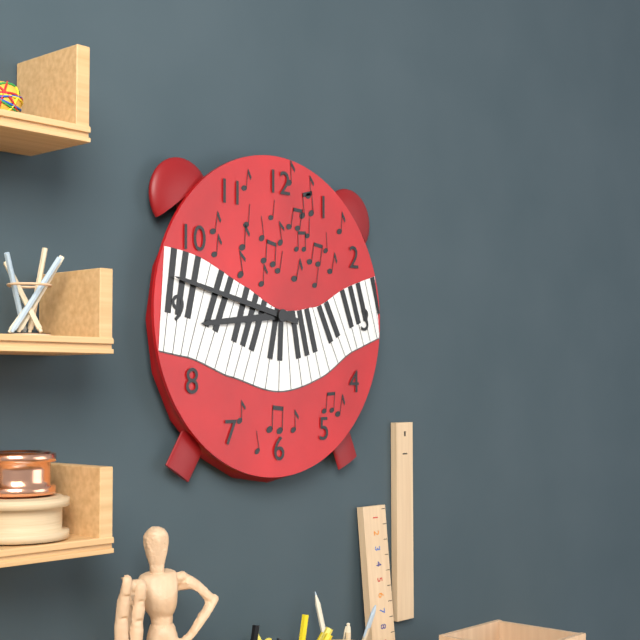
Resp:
**8:47**
